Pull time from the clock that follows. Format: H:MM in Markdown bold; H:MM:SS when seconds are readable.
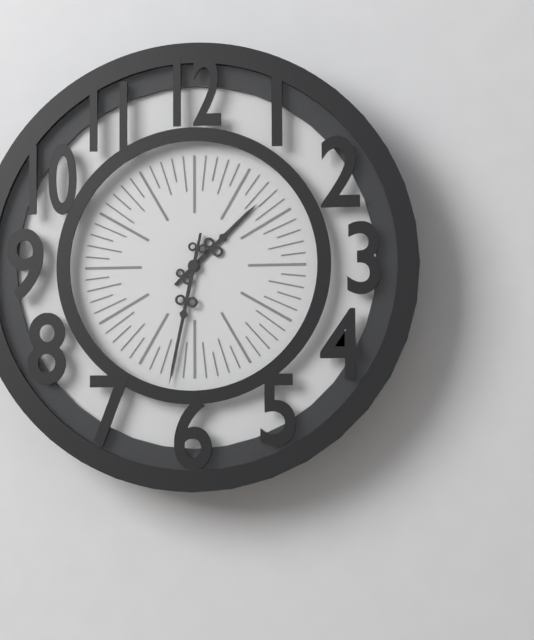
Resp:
**1:32**
